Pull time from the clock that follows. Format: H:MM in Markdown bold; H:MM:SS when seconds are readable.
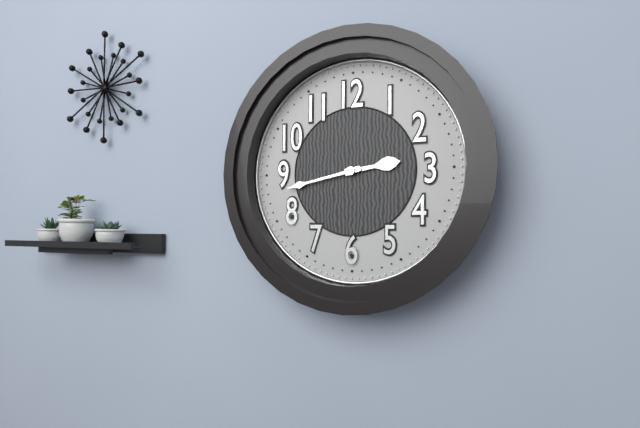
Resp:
**2:43**
